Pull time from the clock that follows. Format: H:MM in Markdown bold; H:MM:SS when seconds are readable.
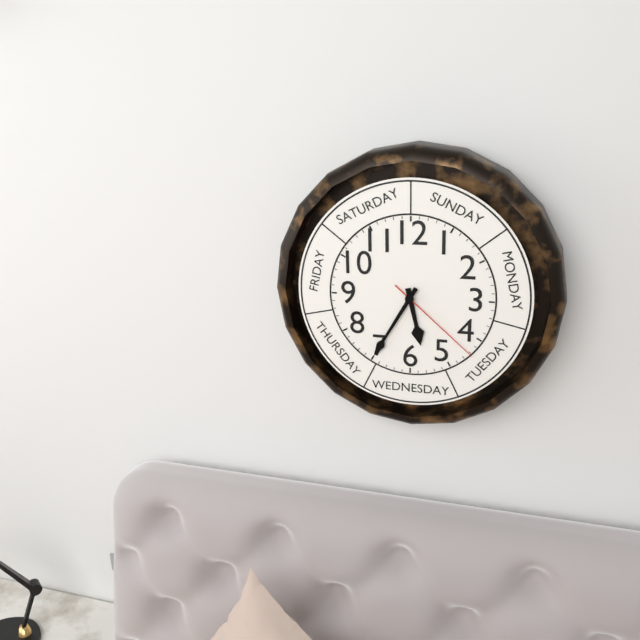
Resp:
**5:35:22**
